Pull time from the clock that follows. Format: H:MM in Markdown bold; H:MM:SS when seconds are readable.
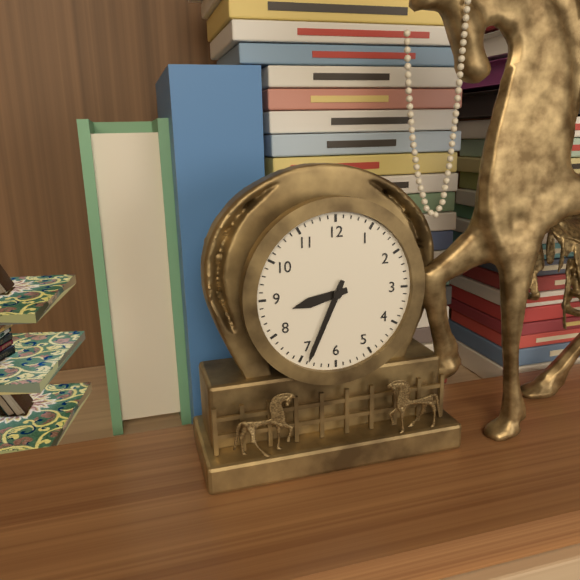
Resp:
**8:34**
